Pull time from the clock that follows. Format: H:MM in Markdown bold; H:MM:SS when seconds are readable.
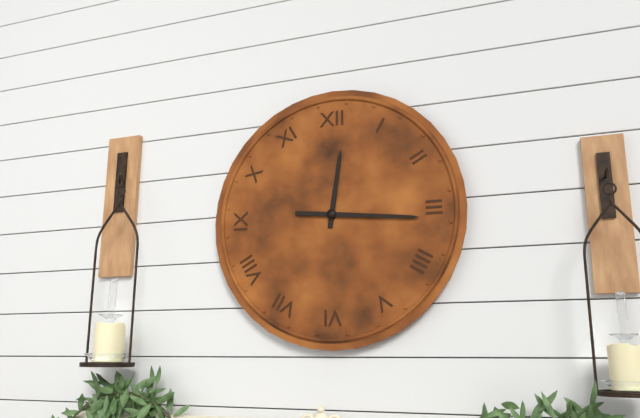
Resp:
**12:16**
